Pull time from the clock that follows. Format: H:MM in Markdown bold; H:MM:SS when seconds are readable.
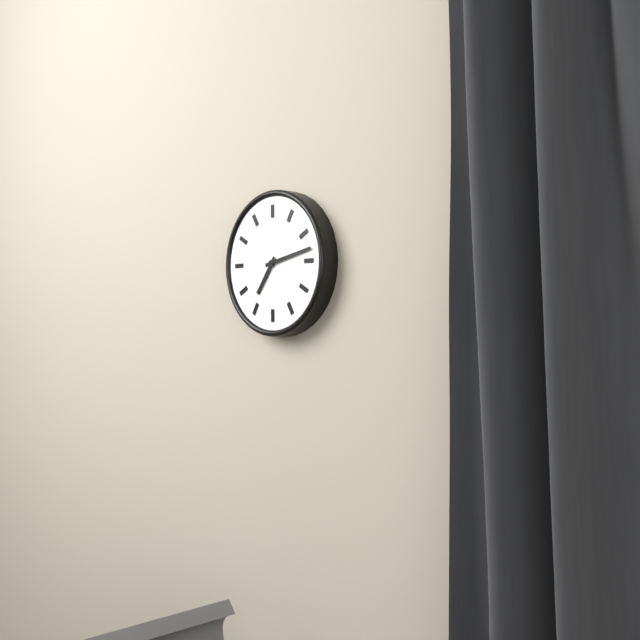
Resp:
**7:13**
